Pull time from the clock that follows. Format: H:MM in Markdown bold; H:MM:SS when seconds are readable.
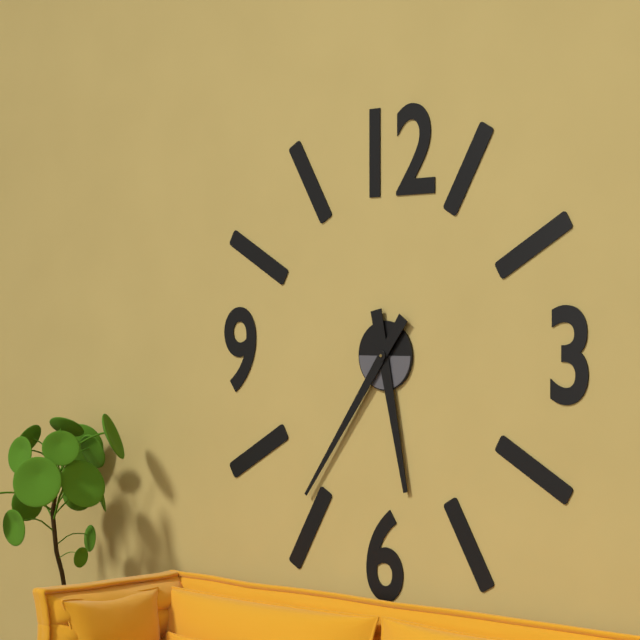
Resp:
**5:36**
